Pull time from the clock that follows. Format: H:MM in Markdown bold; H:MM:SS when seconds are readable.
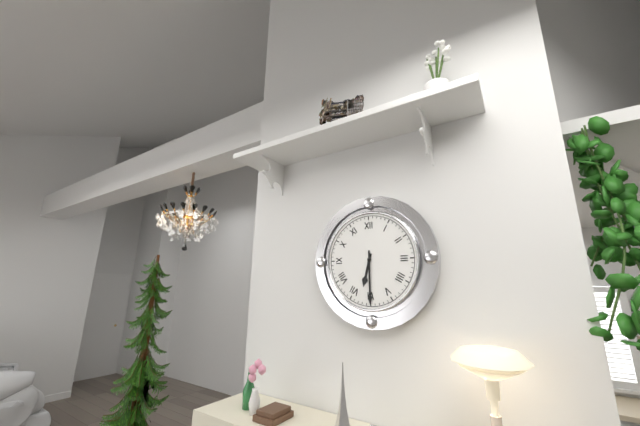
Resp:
**6:30**
